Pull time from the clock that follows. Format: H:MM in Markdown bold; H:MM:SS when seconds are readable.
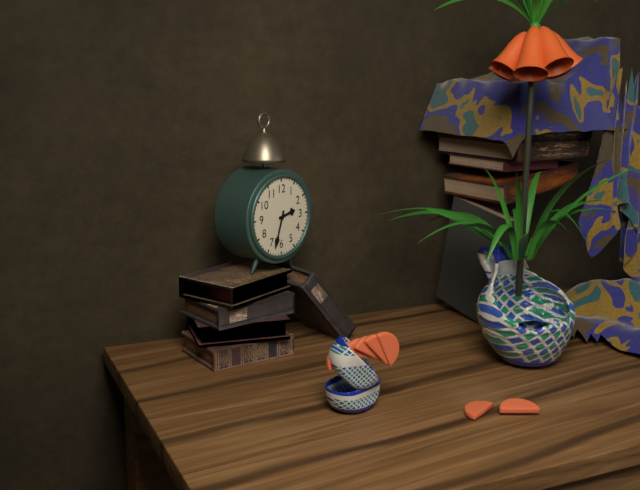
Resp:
**2:33**
